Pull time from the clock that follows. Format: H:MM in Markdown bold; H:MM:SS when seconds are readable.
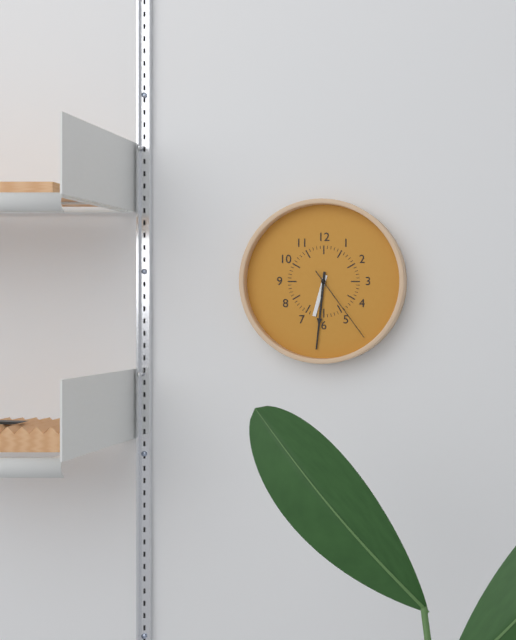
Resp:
**6:31:24**
